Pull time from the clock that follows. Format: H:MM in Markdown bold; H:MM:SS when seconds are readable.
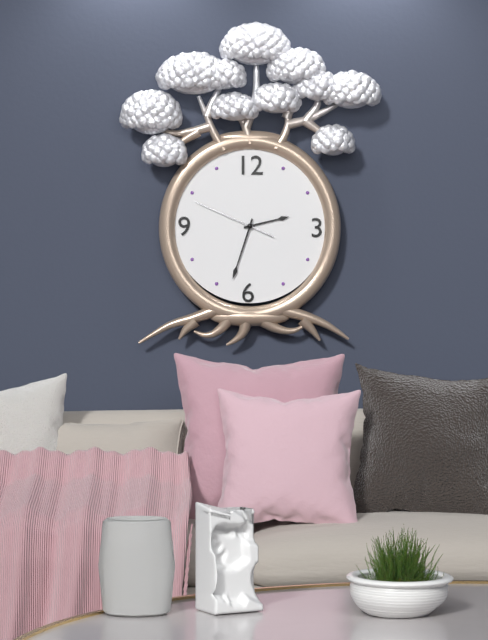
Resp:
**2:33:49**
